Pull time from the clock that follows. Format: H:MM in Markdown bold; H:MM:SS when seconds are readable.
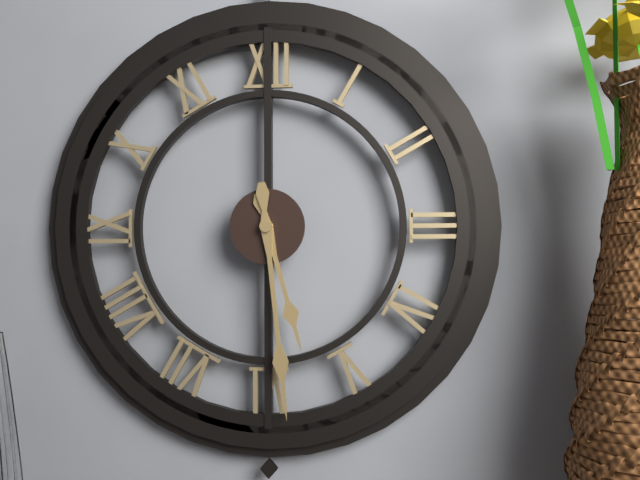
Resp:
**5:29**
